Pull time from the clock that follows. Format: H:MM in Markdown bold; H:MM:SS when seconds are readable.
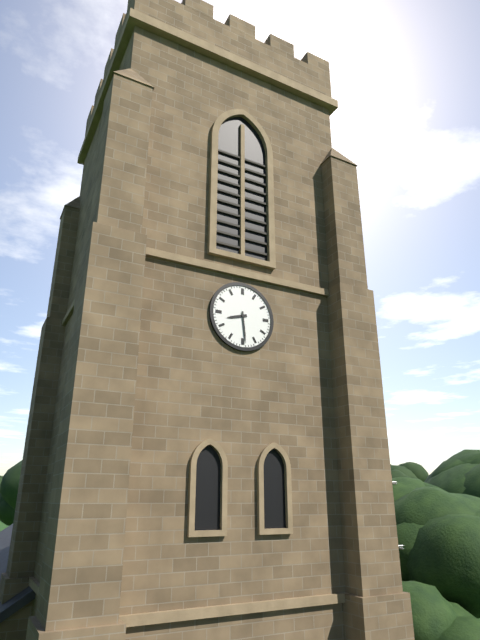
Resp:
**8:29**
